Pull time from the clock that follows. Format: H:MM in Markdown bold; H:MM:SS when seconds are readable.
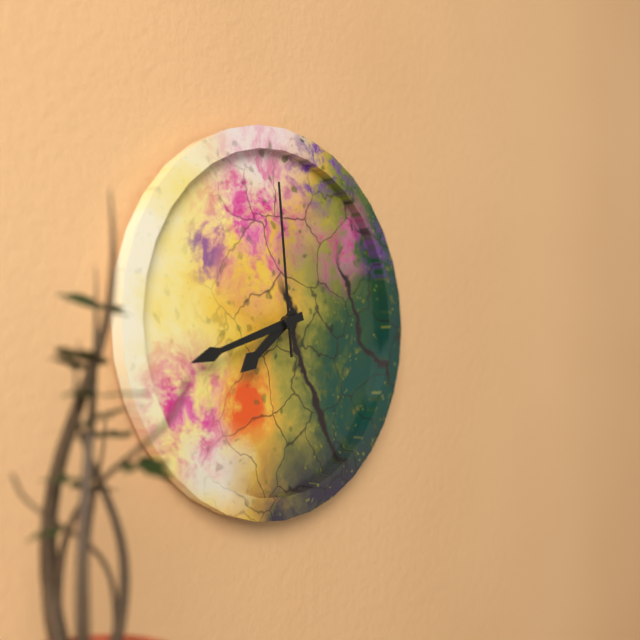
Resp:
**7:42:59**
